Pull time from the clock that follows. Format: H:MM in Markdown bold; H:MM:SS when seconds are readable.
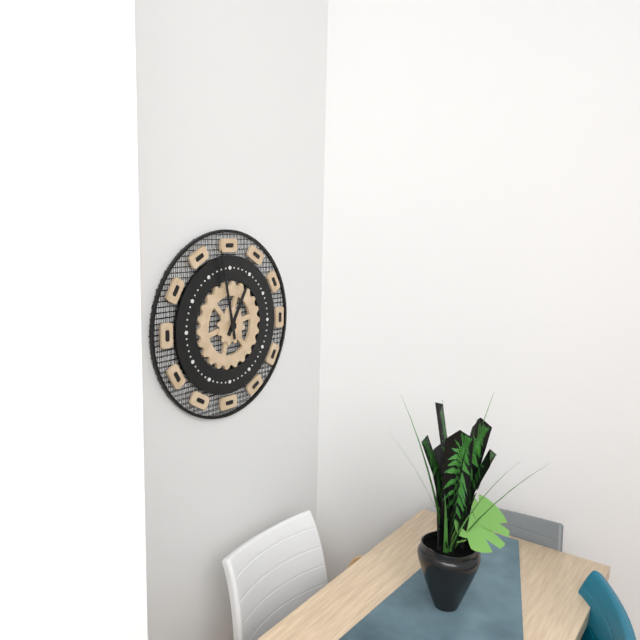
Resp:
**12:58**
